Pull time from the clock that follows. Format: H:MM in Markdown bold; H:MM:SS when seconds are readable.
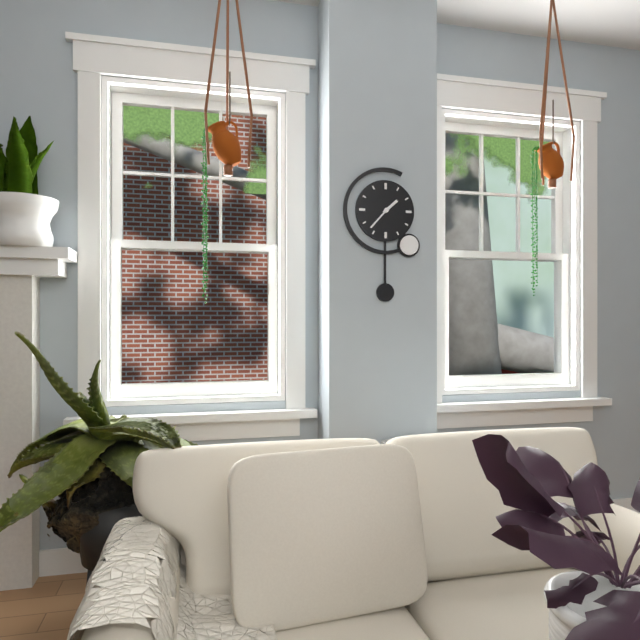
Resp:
**1:37**
